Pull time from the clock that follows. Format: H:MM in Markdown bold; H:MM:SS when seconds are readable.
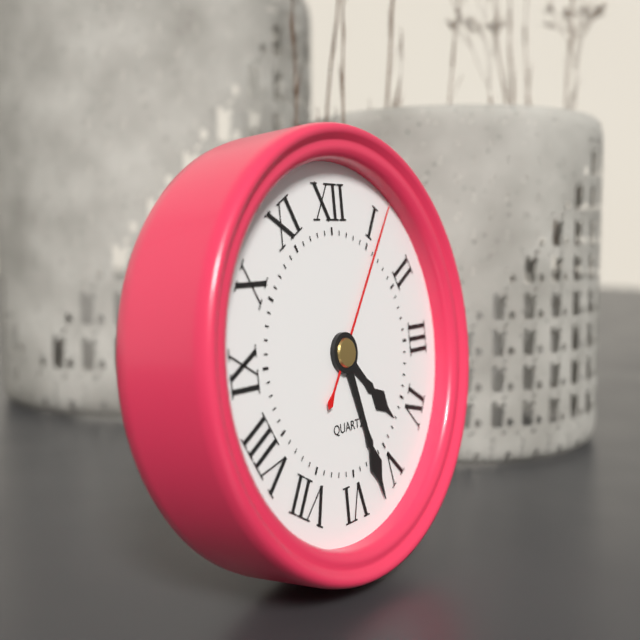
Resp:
**4:27:06**
